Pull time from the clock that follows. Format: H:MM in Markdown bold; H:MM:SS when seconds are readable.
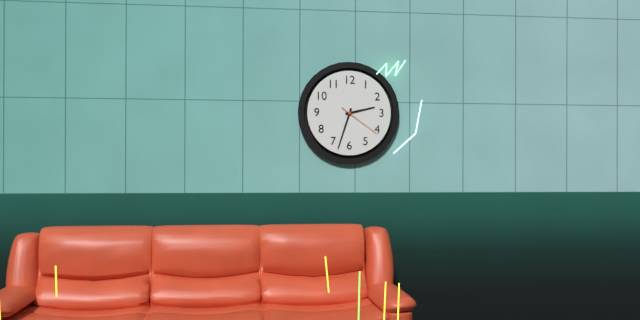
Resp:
**2:33**
